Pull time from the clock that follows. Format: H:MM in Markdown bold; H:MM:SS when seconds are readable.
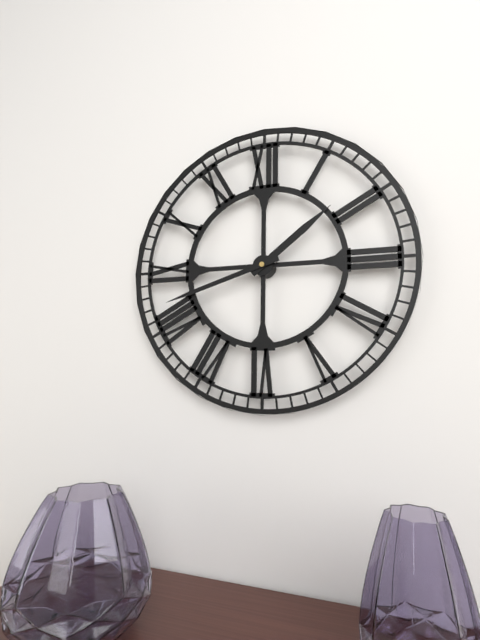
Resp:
**1:42**
